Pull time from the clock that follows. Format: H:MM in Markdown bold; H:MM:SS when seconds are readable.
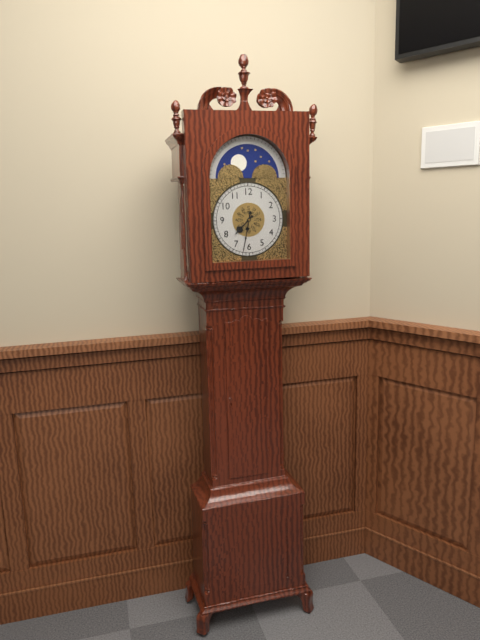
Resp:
**7:32**
